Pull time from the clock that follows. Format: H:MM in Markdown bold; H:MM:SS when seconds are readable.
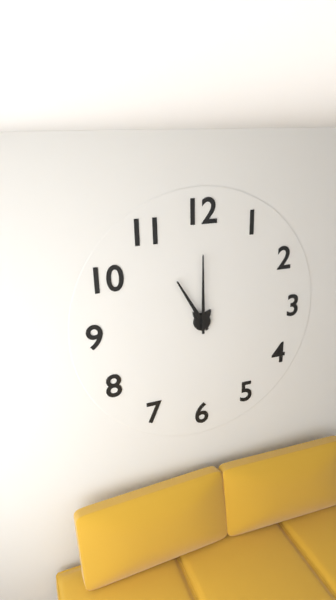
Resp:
**11:00**
